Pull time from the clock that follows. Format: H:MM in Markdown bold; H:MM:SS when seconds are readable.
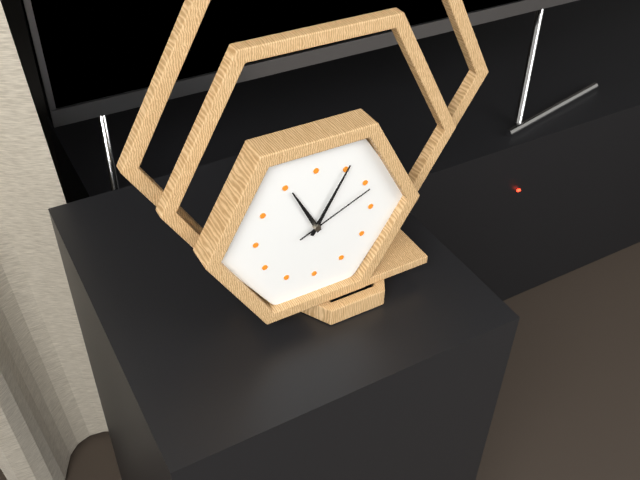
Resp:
**11:05:11**
